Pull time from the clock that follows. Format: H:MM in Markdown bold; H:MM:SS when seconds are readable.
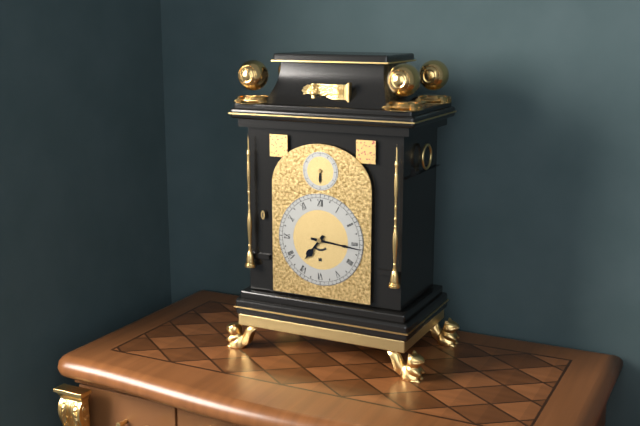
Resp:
**7:16**
